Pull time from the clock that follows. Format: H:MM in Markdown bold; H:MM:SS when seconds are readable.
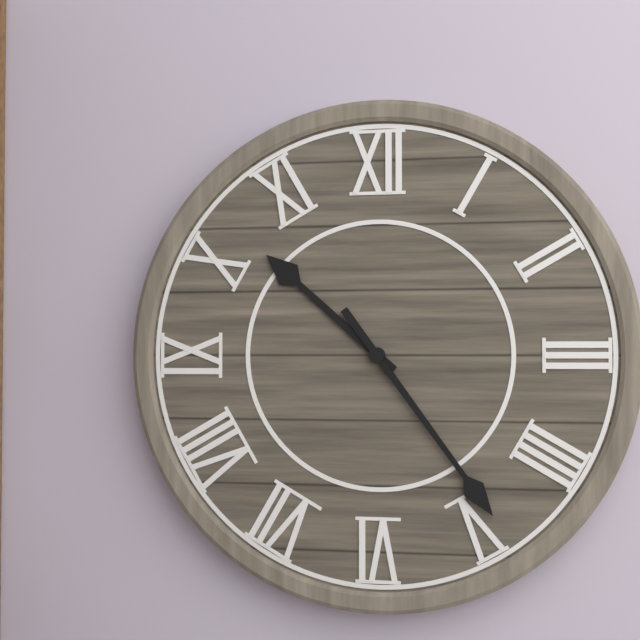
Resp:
**10:24**
